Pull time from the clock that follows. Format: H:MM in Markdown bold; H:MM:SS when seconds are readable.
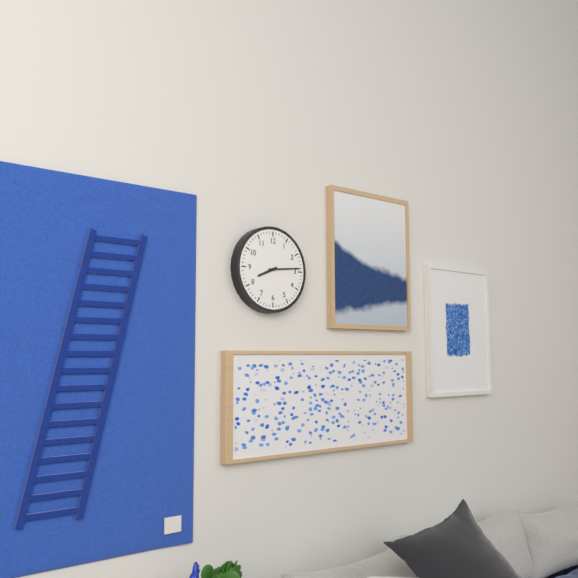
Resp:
**8:14**
